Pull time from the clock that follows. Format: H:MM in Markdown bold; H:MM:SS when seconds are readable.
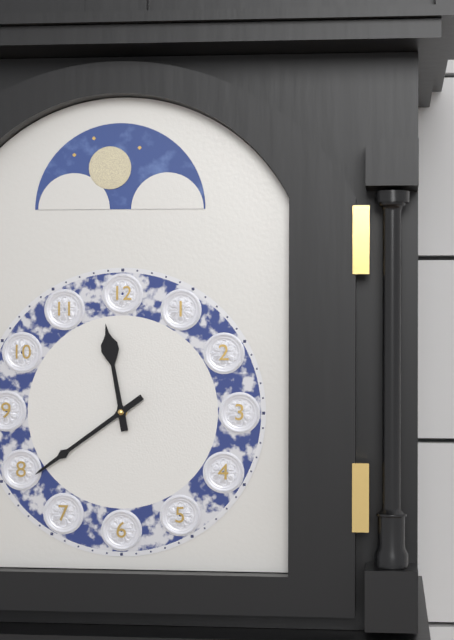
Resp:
**11:39**
